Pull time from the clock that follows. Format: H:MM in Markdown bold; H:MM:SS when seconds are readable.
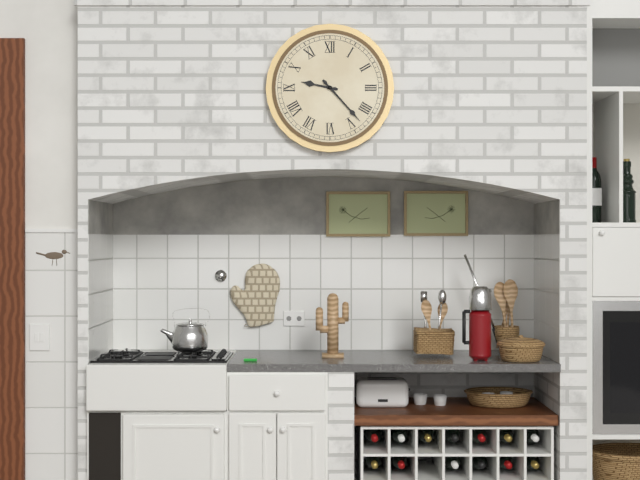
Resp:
**9:23**
